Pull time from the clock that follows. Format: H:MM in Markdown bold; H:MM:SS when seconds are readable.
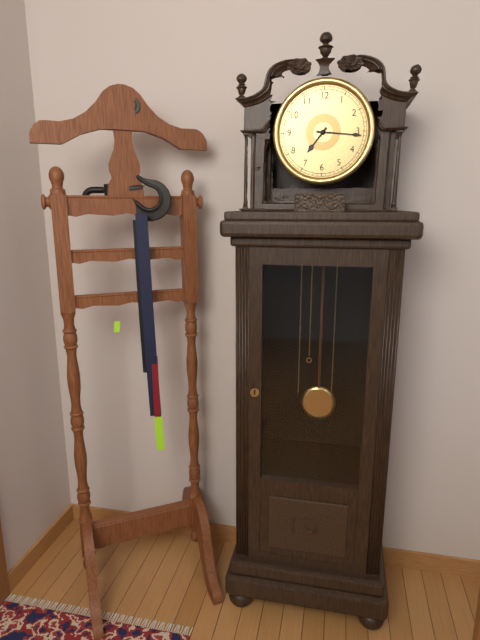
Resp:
**7:16**
